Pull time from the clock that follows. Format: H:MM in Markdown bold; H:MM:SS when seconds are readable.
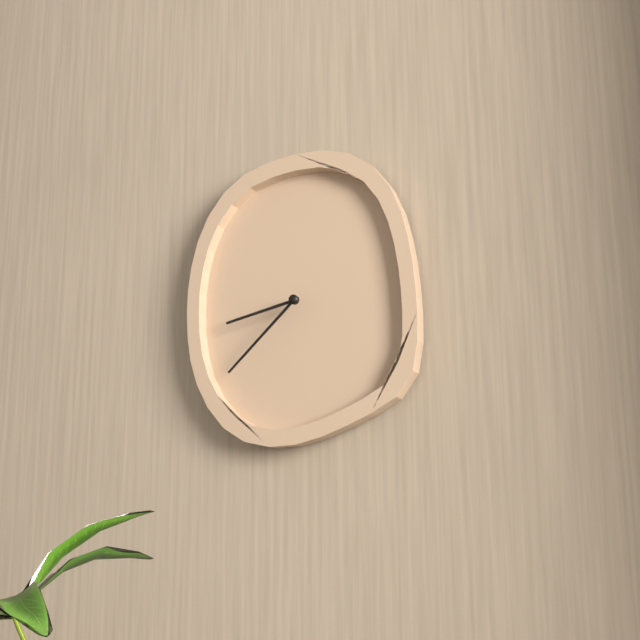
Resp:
**8:38**
